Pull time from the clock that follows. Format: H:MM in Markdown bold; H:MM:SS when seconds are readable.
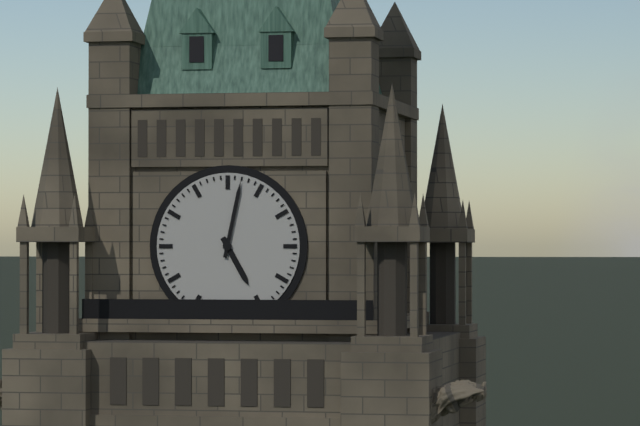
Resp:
**5:02**
